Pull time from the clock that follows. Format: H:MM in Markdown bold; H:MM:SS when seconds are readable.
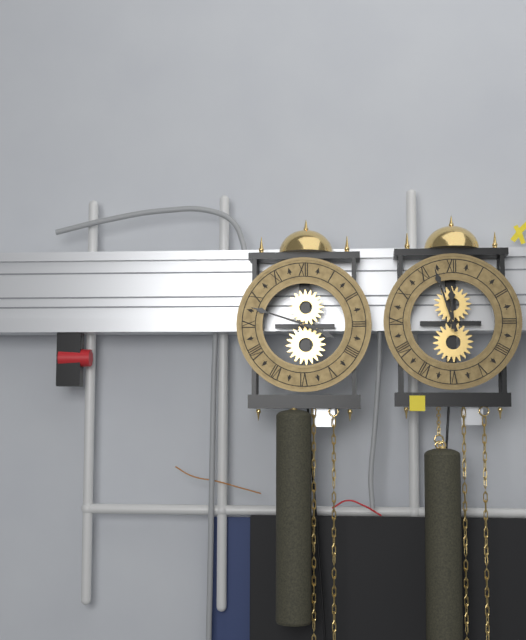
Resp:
**3:48**
